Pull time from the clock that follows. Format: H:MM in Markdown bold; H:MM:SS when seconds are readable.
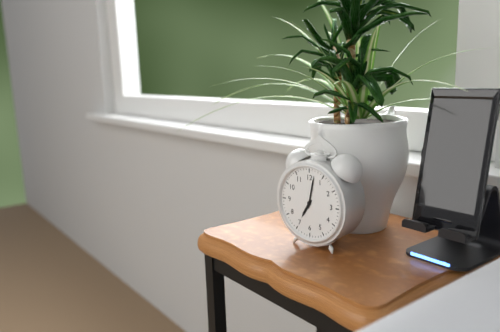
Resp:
**7:02**
